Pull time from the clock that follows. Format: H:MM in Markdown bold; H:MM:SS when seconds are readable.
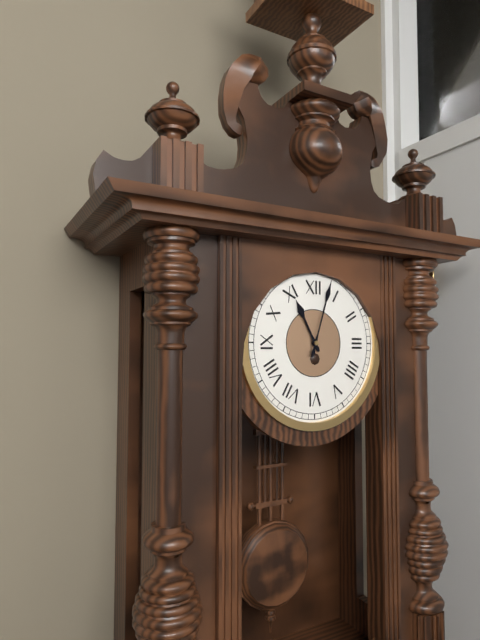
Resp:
**11:03**
